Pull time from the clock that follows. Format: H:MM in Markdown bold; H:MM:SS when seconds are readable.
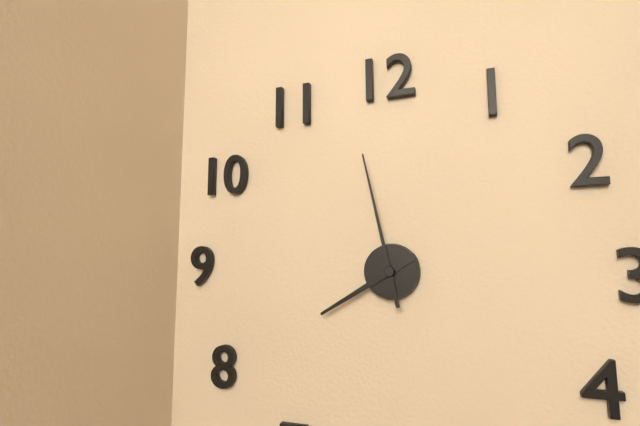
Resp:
**7:58**
